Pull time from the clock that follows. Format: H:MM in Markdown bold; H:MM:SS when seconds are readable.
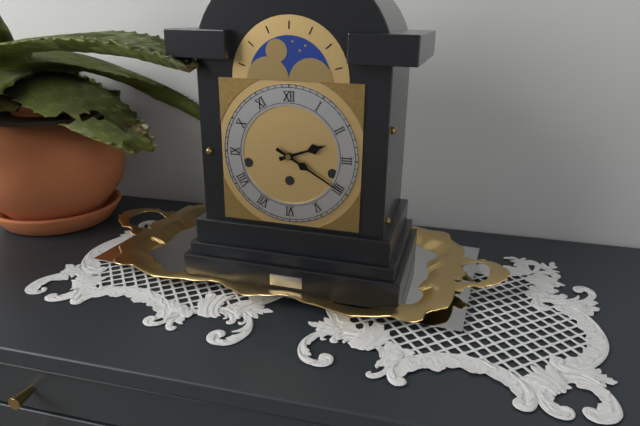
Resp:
**2:20**
